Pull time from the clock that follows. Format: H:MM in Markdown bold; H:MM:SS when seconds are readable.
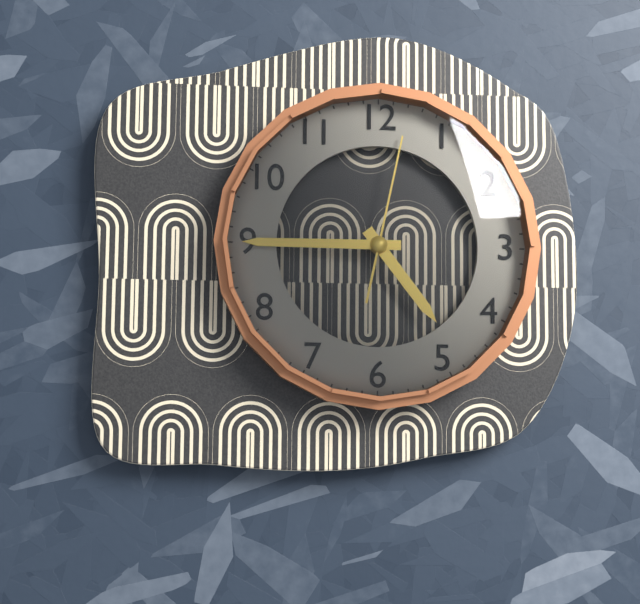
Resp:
**4:45:02**
